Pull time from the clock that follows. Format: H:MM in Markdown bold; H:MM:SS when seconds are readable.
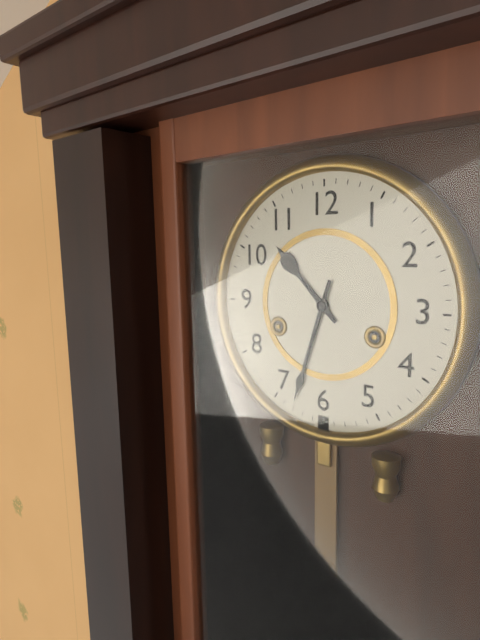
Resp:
**10:33**
